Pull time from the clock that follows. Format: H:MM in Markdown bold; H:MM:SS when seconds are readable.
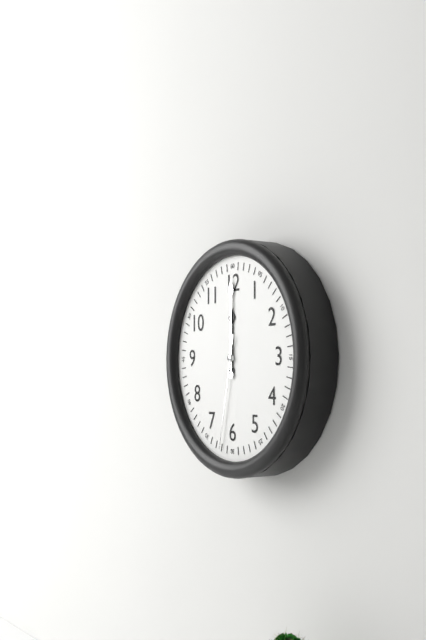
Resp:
**12:00:32**
